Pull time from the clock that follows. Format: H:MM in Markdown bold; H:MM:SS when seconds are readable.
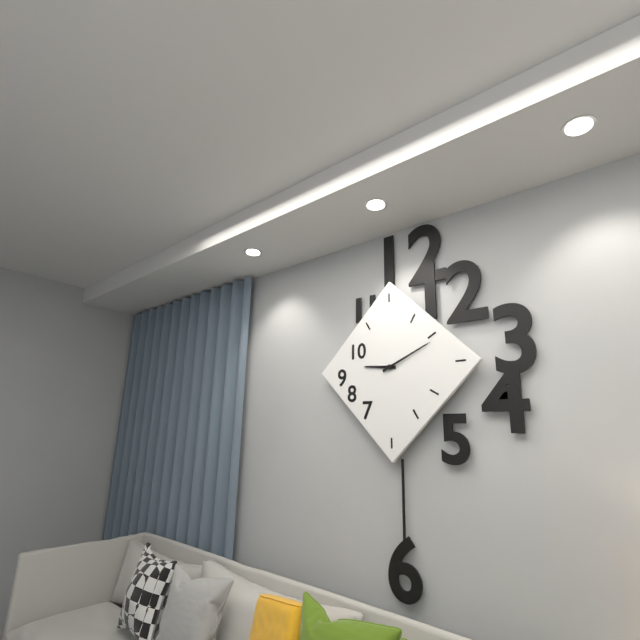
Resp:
**9:11**
